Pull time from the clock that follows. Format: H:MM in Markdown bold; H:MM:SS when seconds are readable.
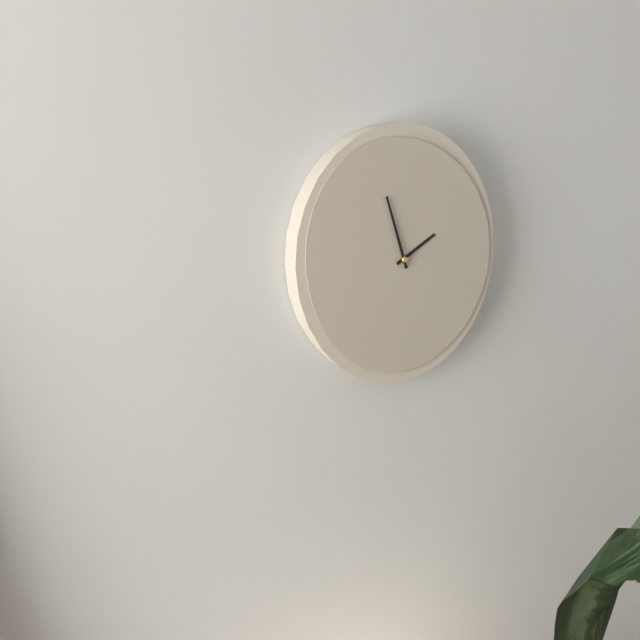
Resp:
**1:57**
